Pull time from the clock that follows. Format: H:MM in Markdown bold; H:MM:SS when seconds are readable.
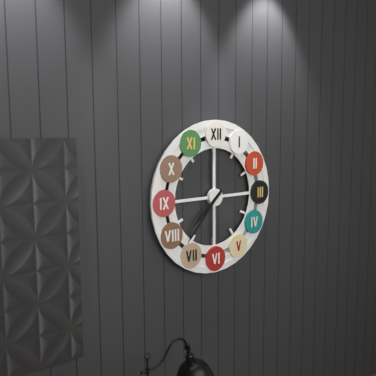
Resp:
**7:37**
